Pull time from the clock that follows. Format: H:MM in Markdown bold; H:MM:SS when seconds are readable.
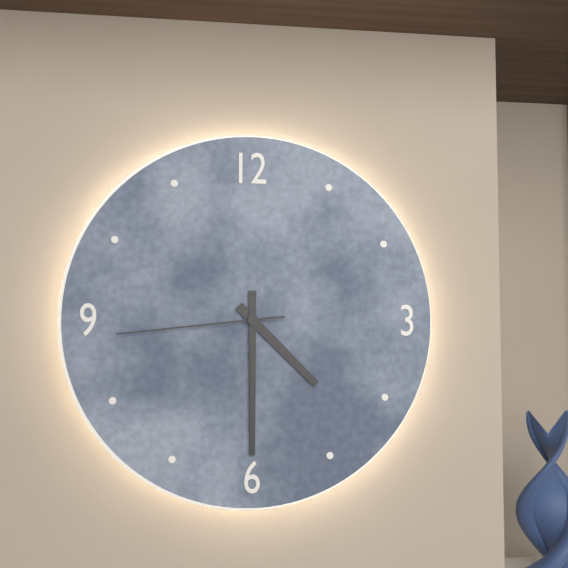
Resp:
**4:30:44**
